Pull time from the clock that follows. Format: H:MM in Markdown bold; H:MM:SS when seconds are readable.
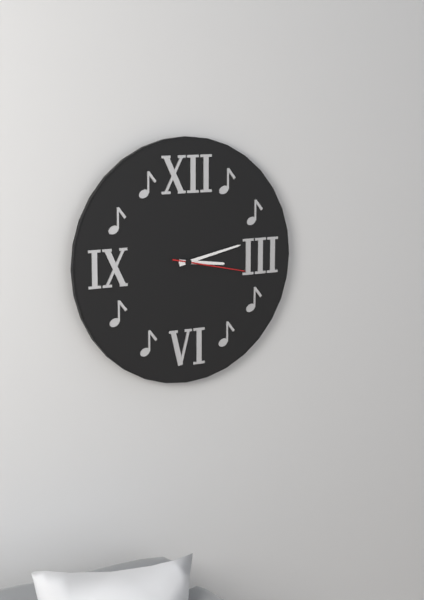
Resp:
**3:13:17**
